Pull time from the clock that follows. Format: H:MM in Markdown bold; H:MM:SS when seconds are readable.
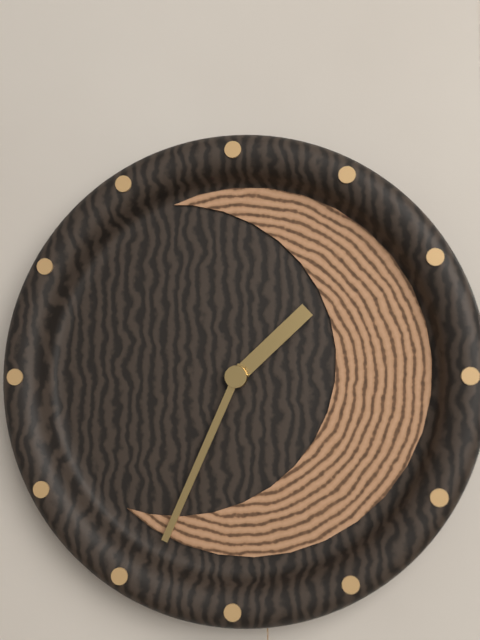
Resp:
**1:34**
